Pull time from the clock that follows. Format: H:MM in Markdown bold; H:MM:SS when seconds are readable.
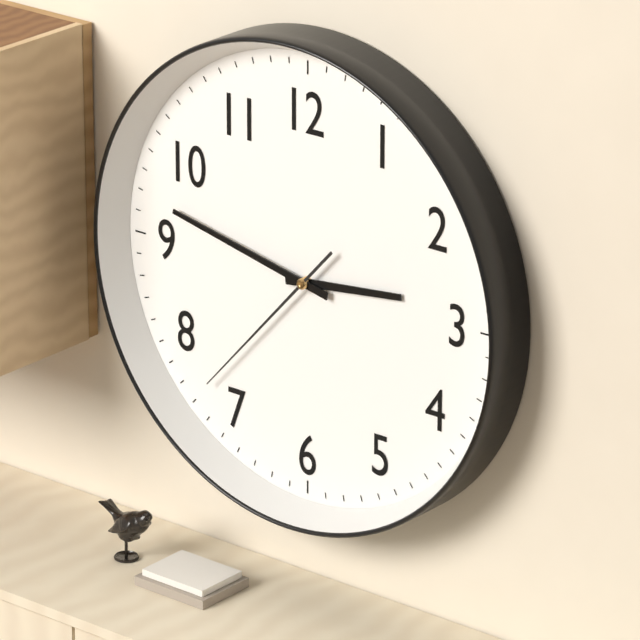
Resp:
**2:47:37**
